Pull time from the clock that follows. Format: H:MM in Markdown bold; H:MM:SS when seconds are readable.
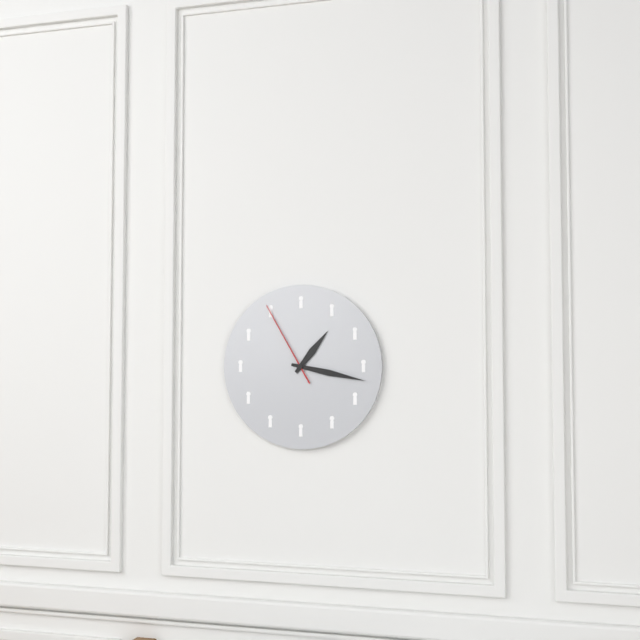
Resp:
**1:17:55**
